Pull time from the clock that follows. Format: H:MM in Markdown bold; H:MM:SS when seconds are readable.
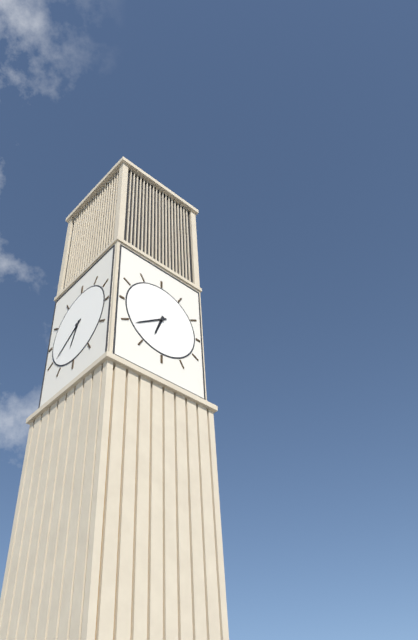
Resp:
**6:39**
